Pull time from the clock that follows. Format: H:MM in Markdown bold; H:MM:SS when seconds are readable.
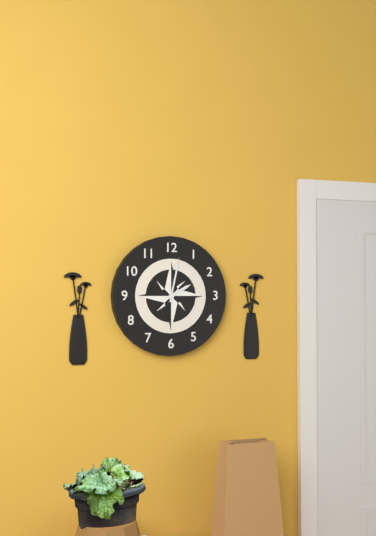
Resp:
**2:02**
